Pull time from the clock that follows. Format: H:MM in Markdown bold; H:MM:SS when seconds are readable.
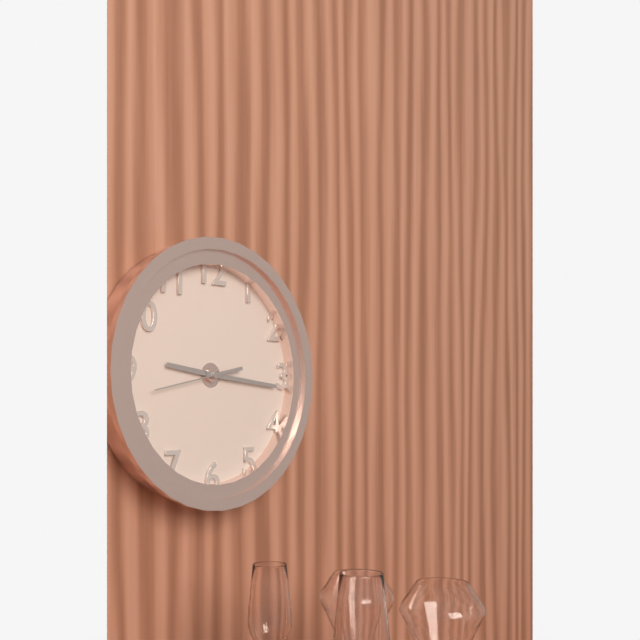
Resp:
**9:16:43**
